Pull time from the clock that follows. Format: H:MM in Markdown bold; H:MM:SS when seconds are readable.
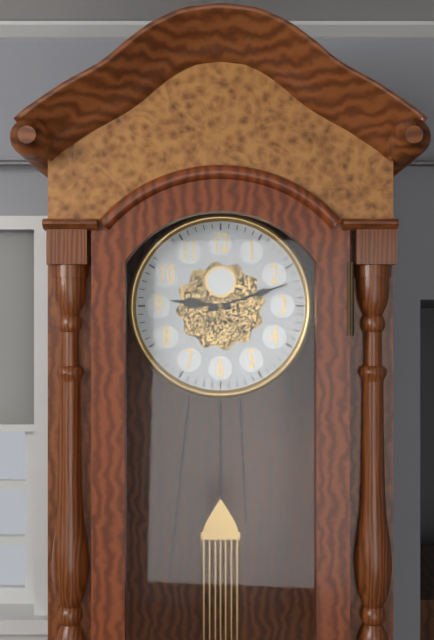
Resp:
**9:12**
